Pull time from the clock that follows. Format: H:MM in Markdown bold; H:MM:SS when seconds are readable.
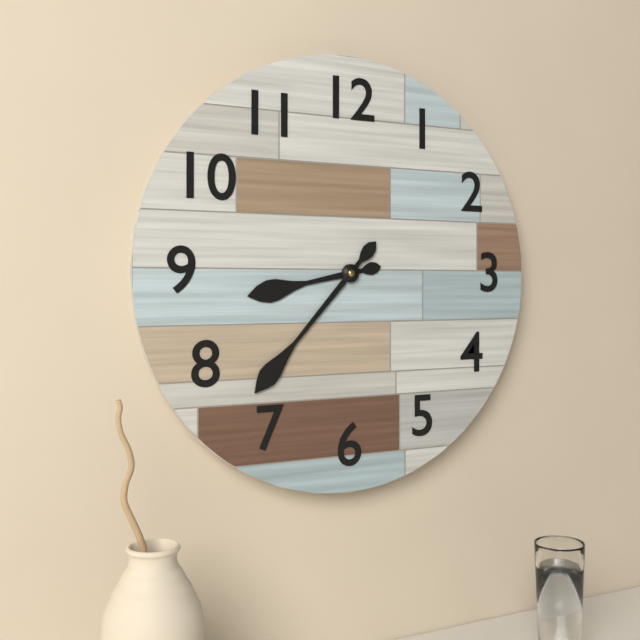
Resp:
**8:37**
